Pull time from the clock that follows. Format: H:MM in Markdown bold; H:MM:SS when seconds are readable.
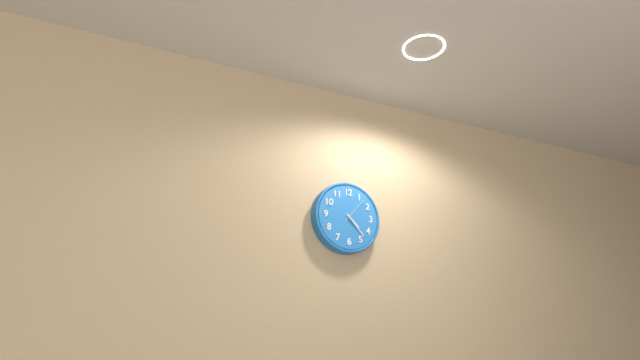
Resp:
**4:23**
